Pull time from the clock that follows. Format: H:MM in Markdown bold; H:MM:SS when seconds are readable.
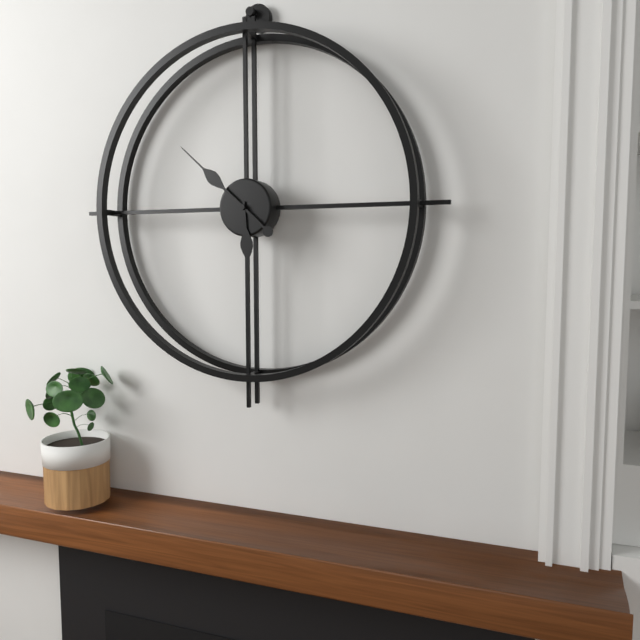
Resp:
**5:52**
